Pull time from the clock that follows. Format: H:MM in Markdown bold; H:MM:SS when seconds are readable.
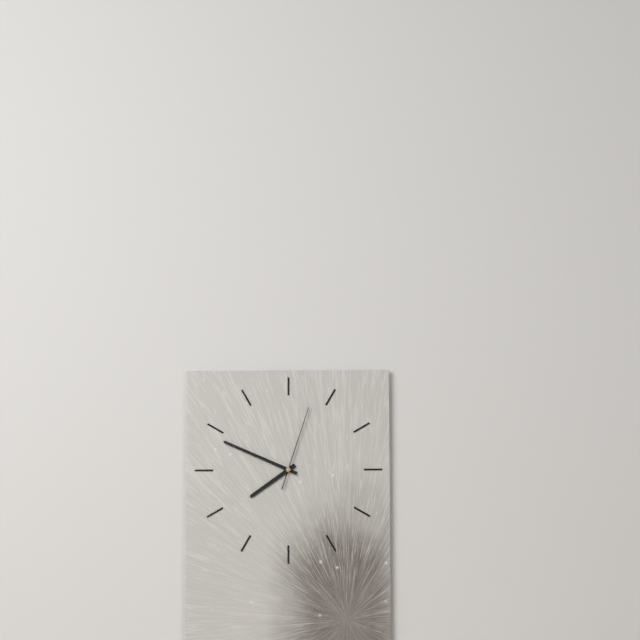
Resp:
**7:49:03**
